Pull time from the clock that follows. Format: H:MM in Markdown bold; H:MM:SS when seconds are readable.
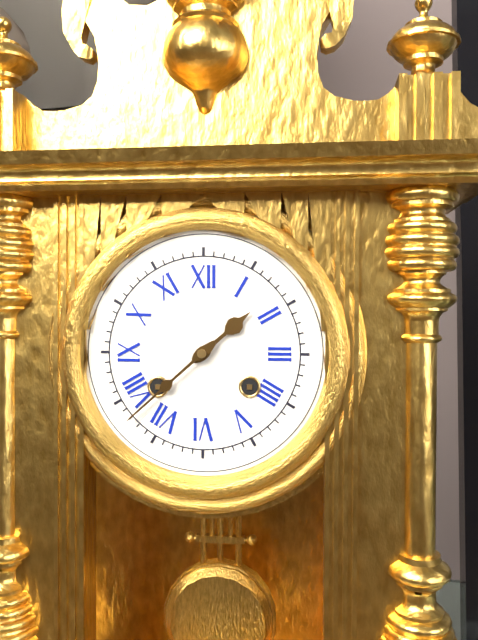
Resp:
**1:38**
